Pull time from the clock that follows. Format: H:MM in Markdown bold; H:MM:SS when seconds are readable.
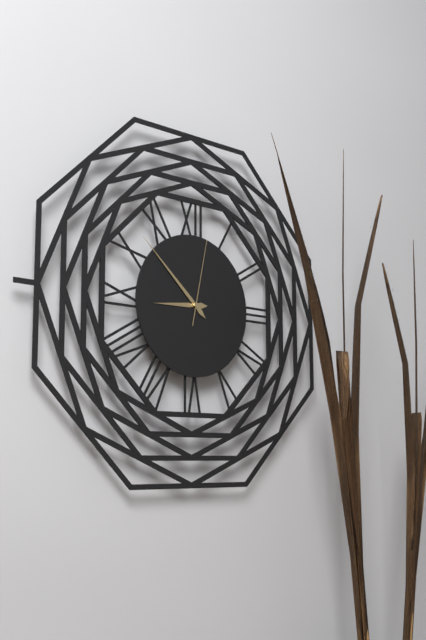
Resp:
**8:52:02**
